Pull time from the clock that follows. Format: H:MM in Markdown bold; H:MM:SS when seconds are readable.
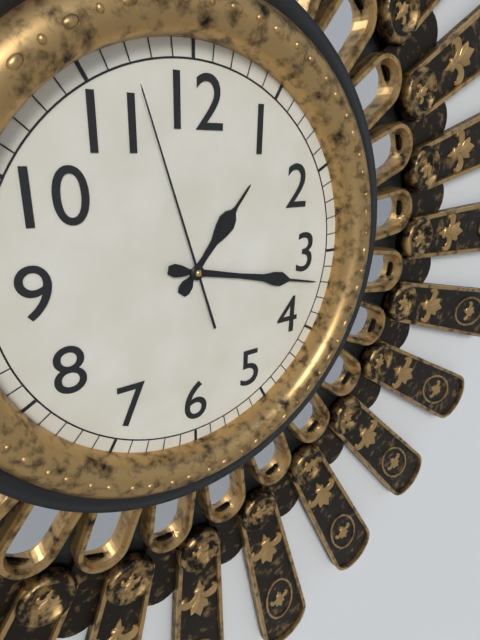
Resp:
**1:17:57**
